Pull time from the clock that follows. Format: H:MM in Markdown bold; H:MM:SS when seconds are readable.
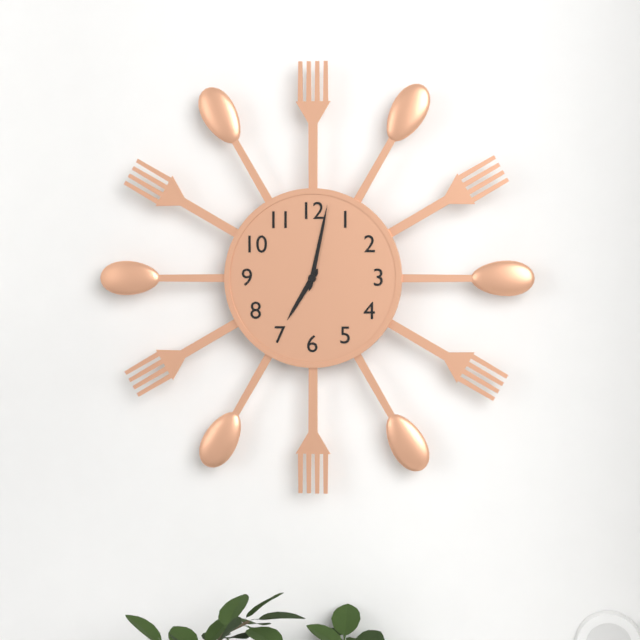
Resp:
**7:02**
